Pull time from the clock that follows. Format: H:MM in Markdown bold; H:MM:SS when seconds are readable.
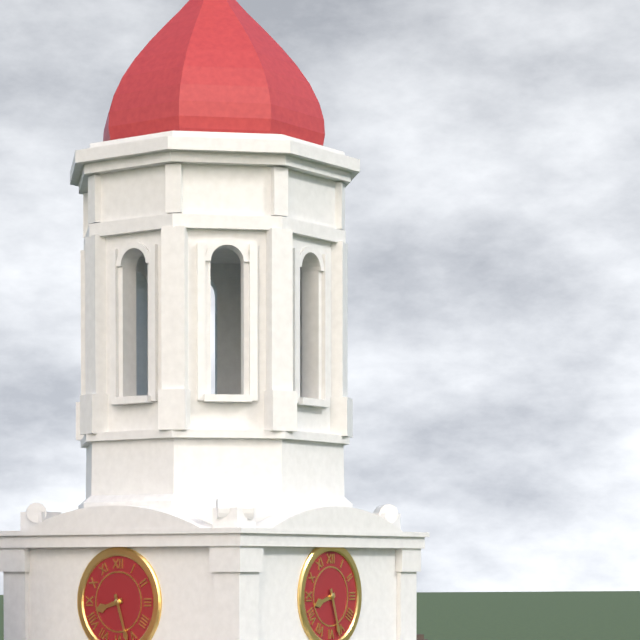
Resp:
**8:27**
